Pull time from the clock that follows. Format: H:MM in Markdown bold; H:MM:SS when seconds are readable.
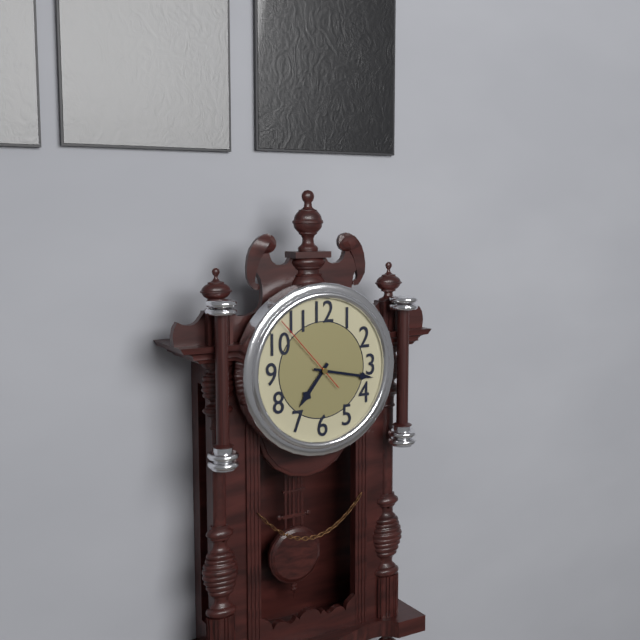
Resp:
**7:17:53**
